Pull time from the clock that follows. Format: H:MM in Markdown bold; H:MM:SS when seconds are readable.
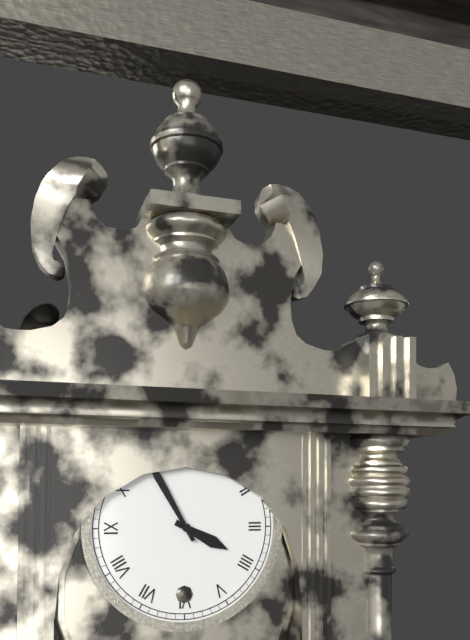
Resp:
**3:55**
